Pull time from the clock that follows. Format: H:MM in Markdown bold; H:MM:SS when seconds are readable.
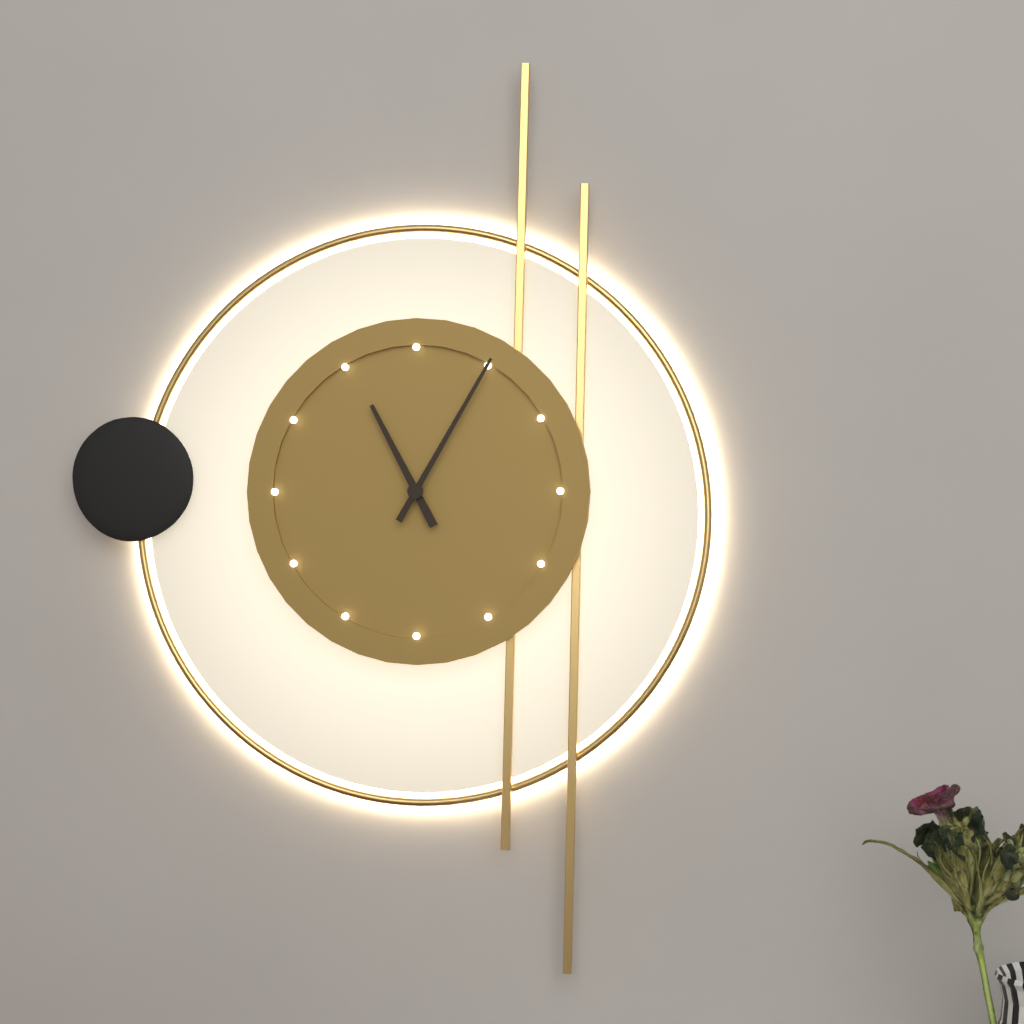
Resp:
**11:05**
